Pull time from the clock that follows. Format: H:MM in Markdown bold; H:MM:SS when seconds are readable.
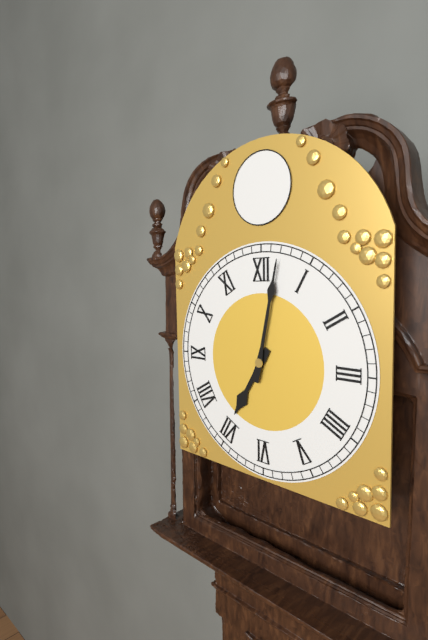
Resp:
**7:02**
